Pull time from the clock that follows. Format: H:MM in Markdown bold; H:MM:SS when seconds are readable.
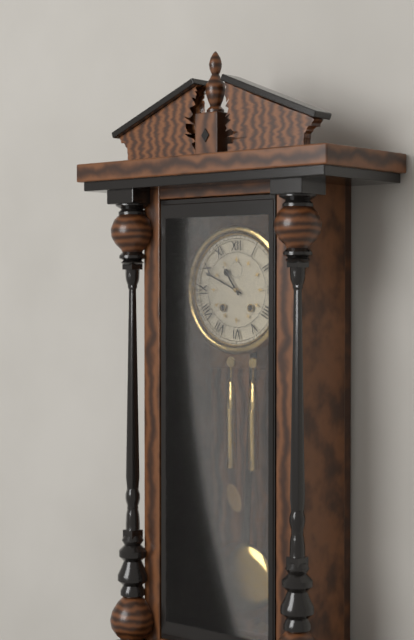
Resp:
**10:49**
